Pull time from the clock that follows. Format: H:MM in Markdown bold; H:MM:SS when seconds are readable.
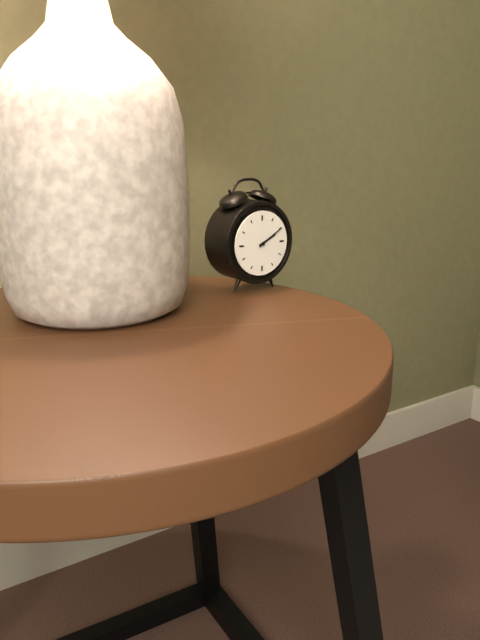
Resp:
**2:10**
